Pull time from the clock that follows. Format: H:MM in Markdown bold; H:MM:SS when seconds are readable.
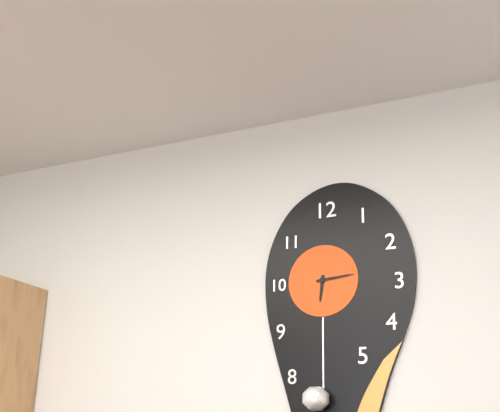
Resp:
**6:14**
